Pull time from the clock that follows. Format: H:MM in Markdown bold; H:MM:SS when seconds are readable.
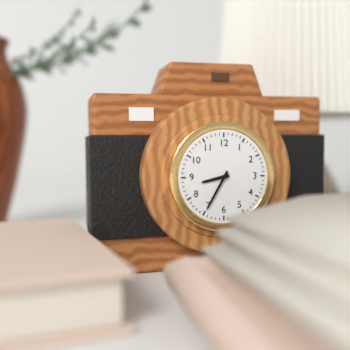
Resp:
**8:35**
